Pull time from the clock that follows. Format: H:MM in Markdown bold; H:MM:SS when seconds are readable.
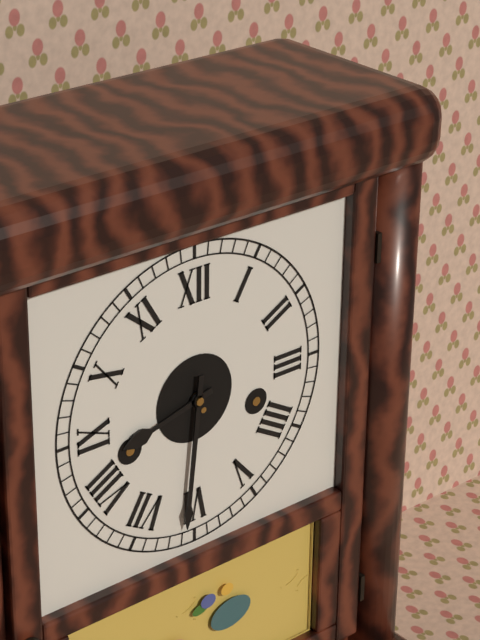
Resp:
**8:31**
